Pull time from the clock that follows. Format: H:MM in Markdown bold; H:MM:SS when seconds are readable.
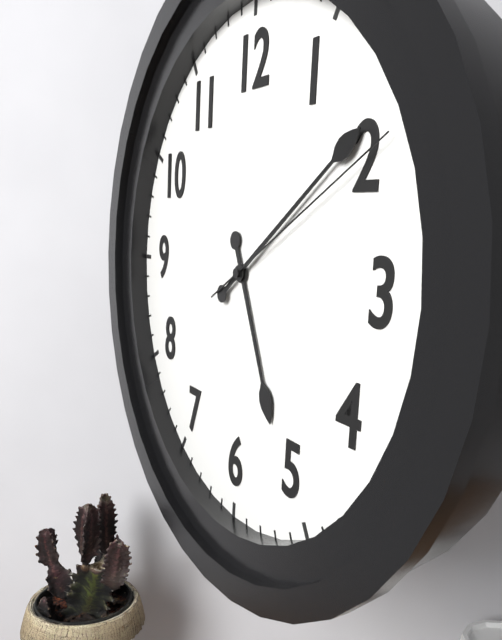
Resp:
**5:09:10**
